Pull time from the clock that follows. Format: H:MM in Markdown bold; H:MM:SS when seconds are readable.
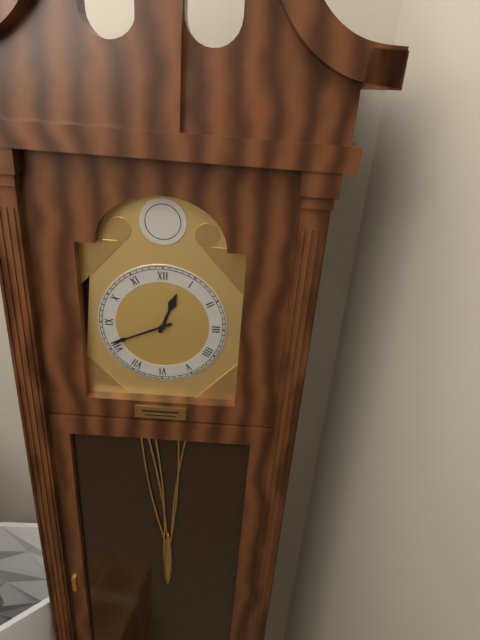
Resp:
**12:41**
